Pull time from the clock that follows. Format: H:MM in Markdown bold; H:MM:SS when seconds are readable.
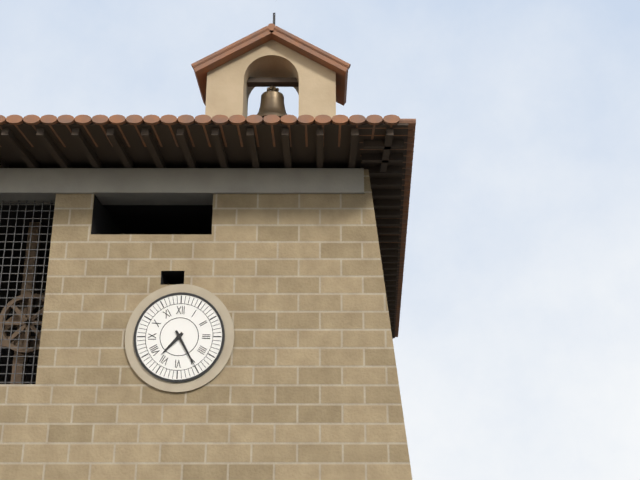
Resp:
**7:25**
